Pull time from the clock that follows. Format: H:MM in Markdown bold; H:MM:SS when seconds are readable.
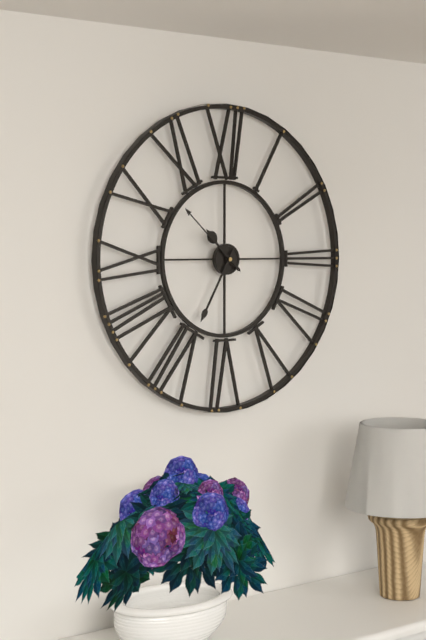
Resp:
**10:35:52**
